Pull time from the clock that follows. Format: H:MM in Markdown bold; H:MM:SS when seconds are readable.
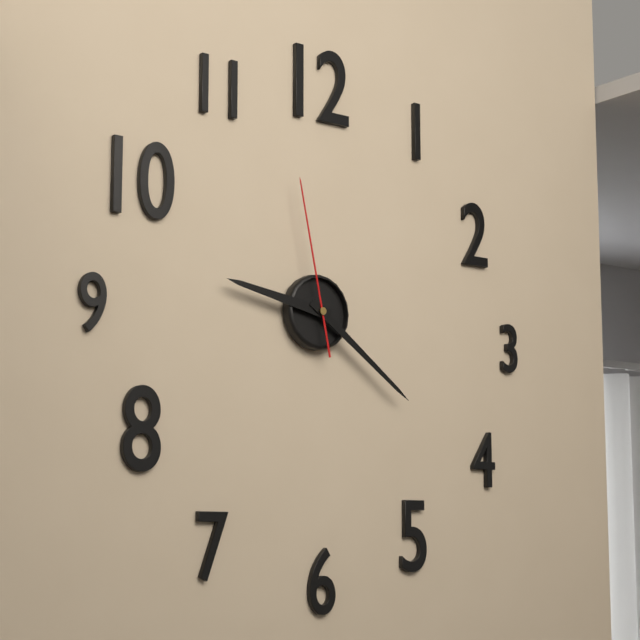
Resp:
**9:21:58**
